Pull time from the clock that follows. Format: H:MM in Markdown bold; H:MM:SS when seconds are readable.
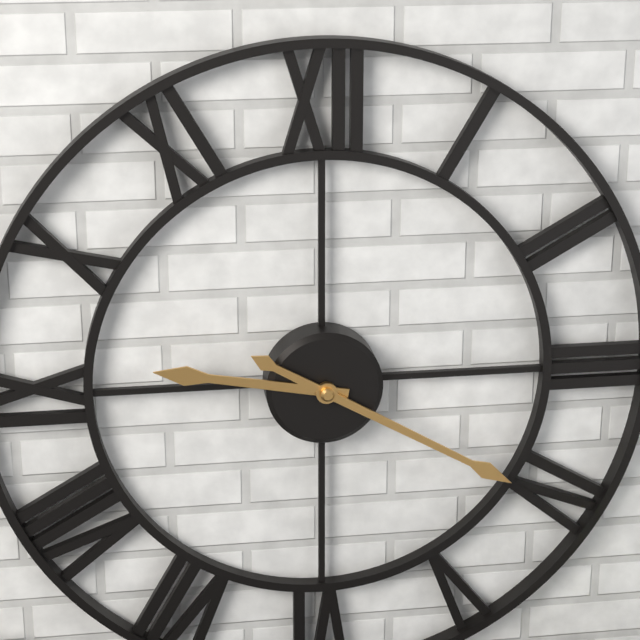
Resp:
**9:20**
